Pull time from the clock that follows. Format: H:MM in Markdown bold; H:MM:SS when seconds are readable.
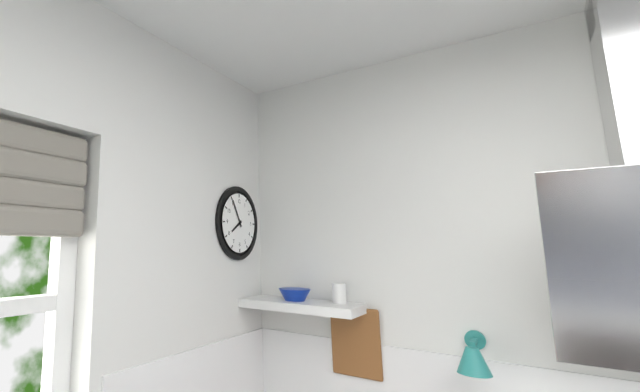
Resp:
**7:55**
